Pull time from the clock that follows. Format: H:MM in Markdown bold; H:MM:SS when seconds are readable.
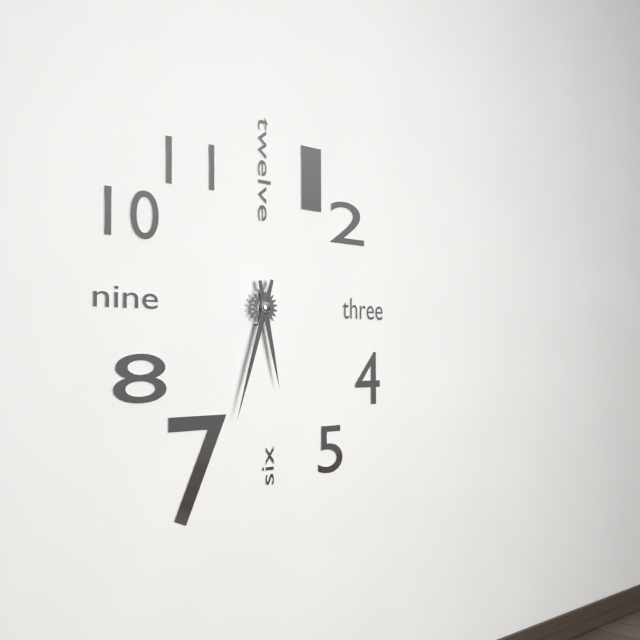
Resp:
**5:33**
